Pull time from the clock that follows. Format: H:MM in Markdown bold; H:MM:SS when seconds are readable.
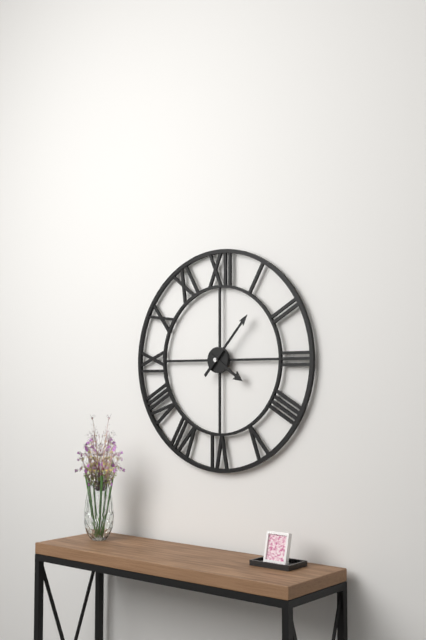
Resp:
**4:07**
